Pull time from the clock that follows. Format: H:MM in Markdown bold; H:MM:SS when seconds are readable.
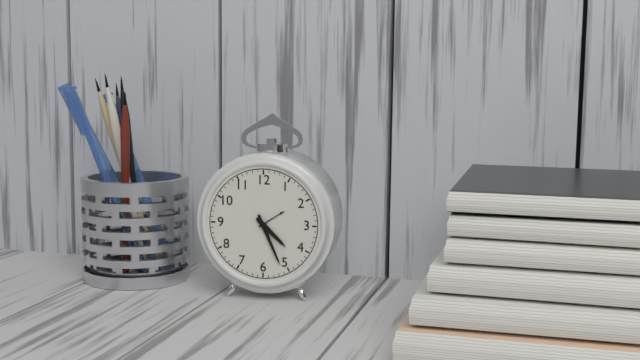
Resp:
**4:26**
